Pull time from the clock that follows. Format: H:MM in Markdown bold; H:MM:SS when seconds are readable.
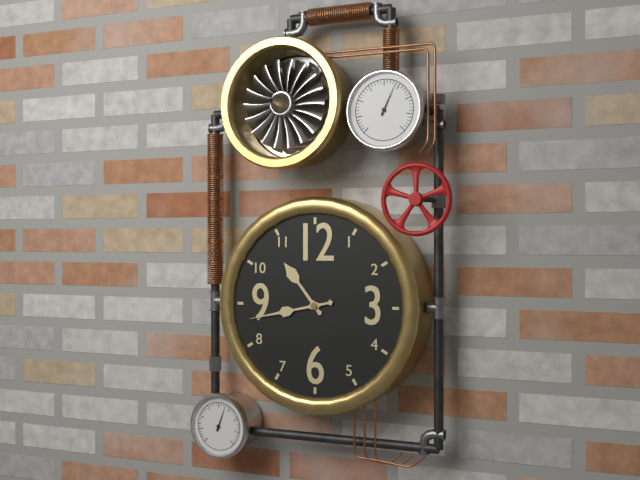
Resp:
**10:43**
